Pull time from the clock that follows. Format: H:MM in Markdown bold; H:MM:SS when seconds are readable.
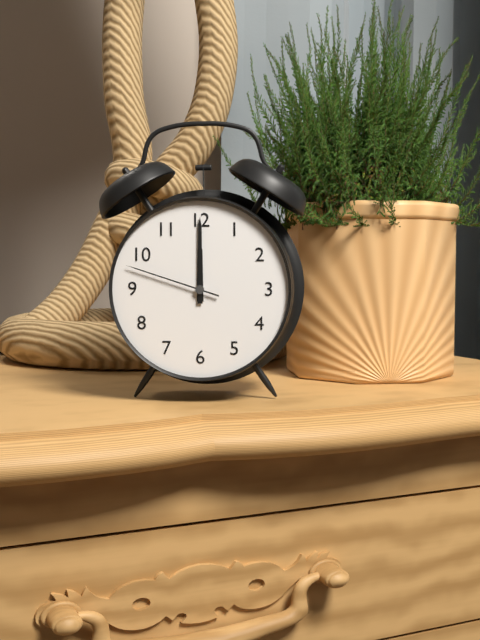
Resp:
**12:00:48**
